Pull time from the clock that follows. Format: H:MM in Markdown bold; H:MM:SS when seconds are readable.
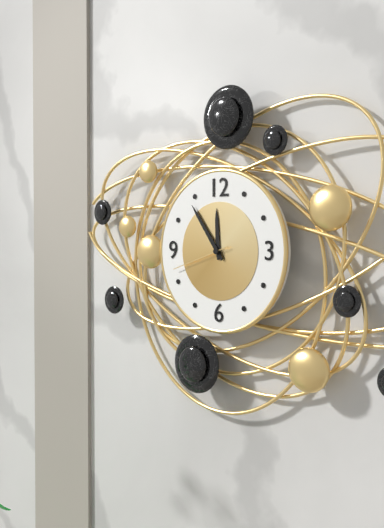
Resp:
**11:54:42**
